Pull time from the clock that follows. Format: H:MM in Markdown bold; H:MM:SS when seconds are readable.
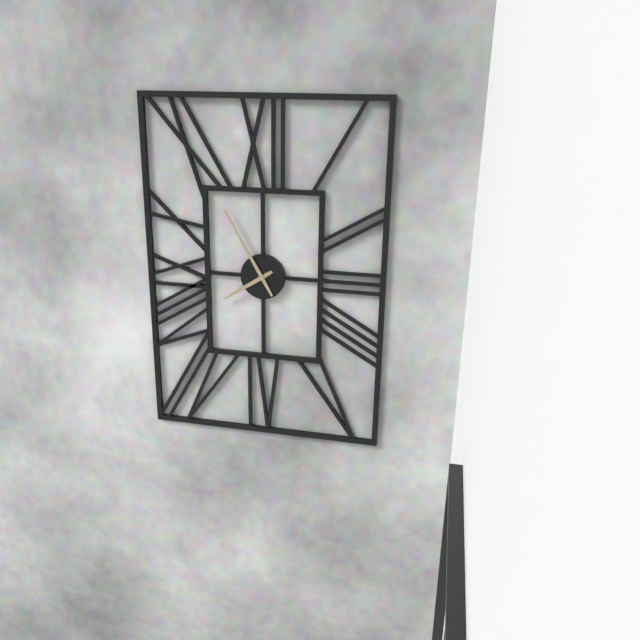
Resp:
**7:55**
